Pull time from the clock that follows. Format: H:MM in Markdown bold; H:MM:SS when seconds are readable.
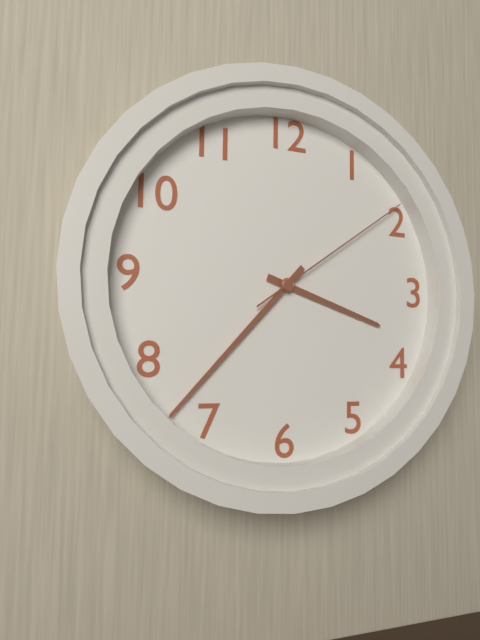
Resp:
**3:37:09**
